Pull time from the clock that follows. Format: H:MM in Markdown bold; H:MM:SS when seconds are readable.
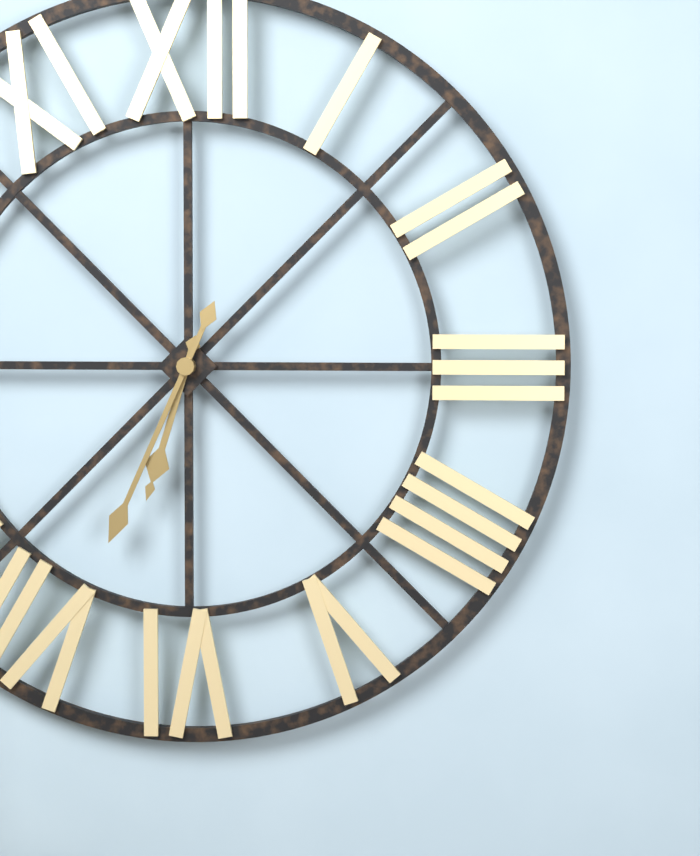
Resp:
**6:34**
